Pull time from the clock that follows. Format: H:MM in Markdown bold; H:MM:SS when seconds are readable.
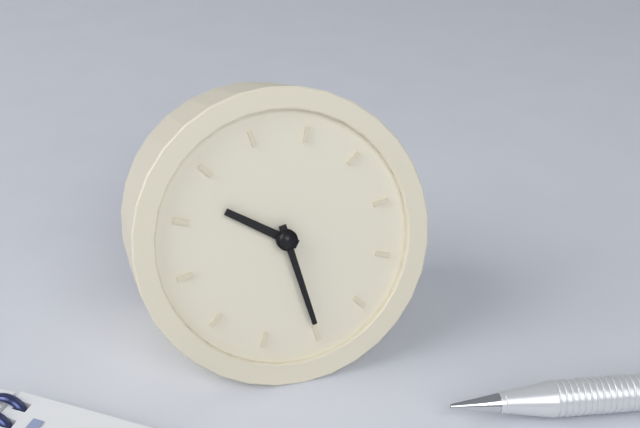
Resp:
**10:30**
